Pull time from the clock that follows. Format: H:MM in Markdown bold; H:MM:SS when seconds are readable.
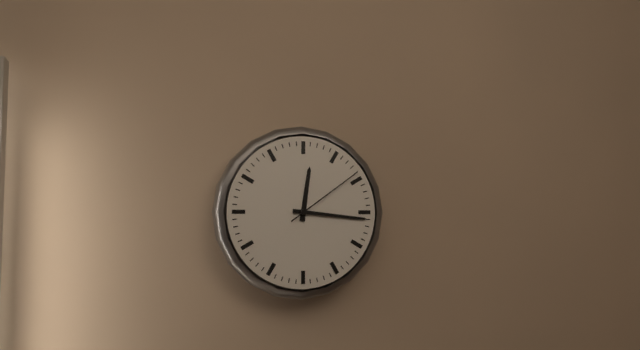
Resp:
**12:16:09**
